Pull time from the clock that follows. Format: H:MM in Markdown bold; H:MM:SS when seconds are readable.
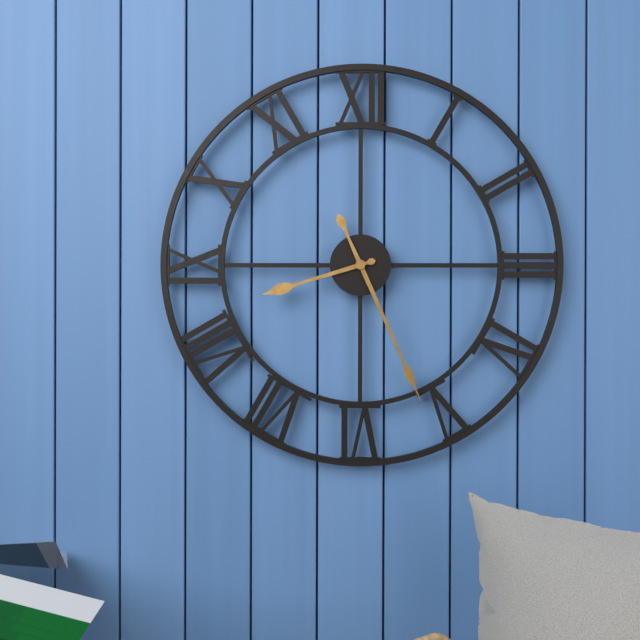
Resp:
**8:26**
